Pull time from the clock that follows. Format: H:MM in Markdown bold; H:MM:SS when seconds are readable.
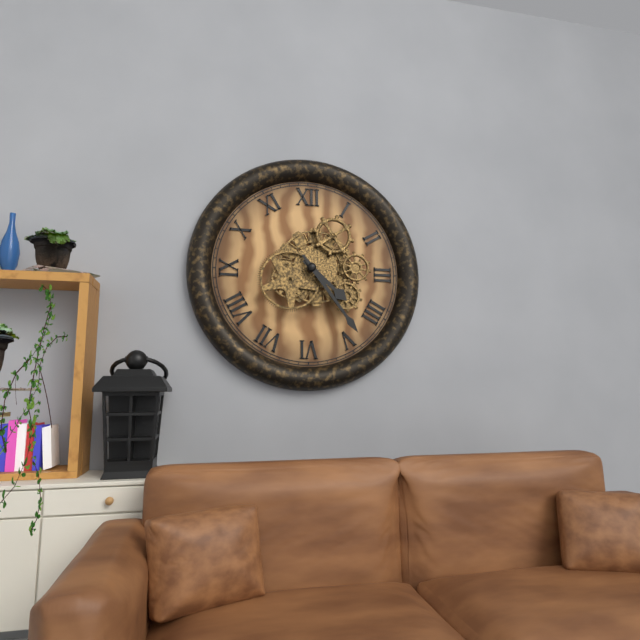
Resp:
**4:24**
